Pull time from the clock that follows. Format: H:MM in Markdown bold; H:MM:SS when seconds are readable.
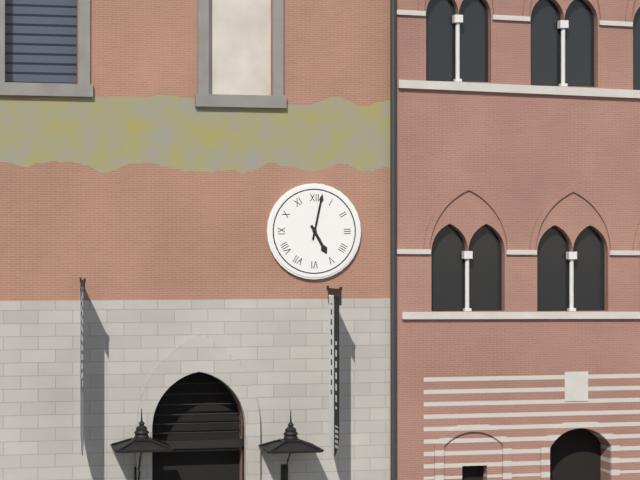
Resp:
**5:02**
